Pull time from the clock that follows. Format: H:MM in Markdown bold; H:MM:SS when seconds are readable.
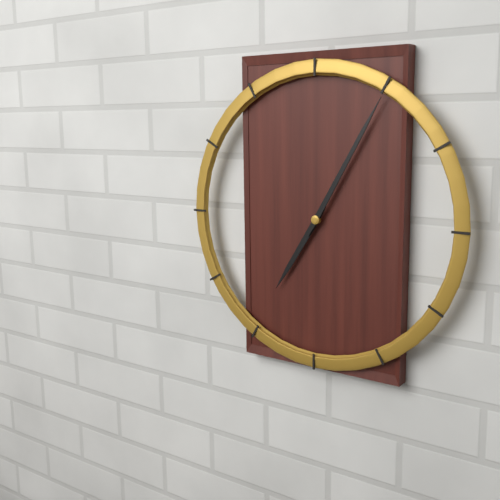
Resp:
**7:05**
